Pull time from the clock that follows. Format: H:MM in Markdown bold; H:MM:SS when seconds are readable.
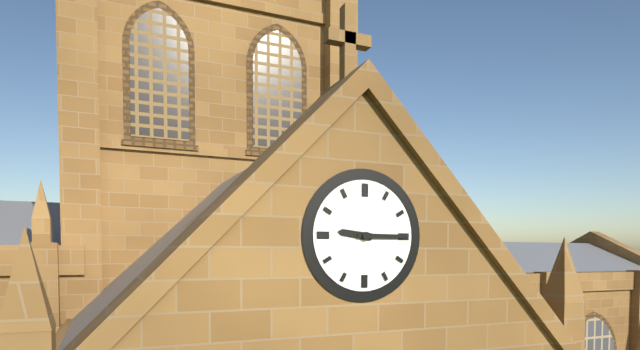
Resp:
**9:15**
